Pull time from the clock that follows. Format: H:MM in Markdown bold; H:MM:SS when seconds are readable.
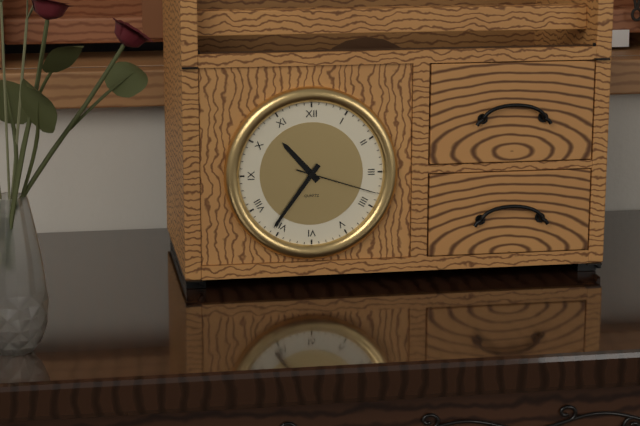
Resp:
**10:36:18**
